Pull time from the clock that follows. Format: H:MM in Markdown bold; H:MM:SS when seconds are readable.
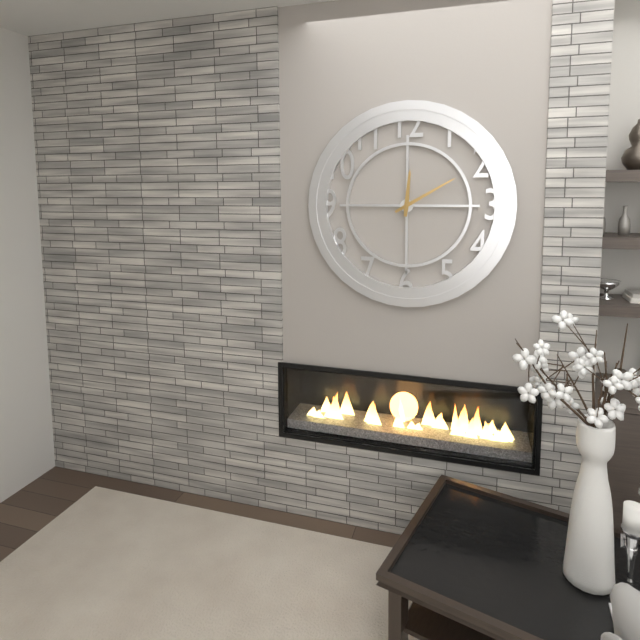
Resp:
**12:10**
